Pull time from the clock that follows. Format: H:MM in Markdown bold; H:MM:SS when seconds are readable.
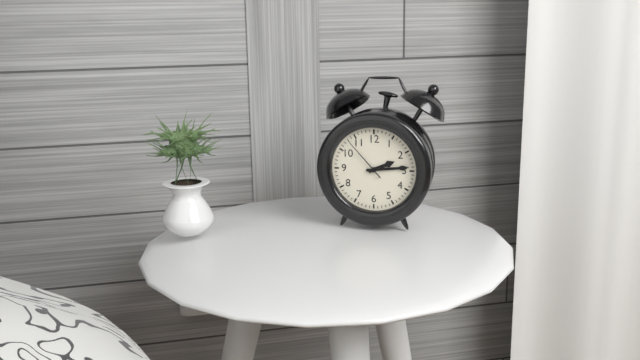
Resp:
**2:14**
